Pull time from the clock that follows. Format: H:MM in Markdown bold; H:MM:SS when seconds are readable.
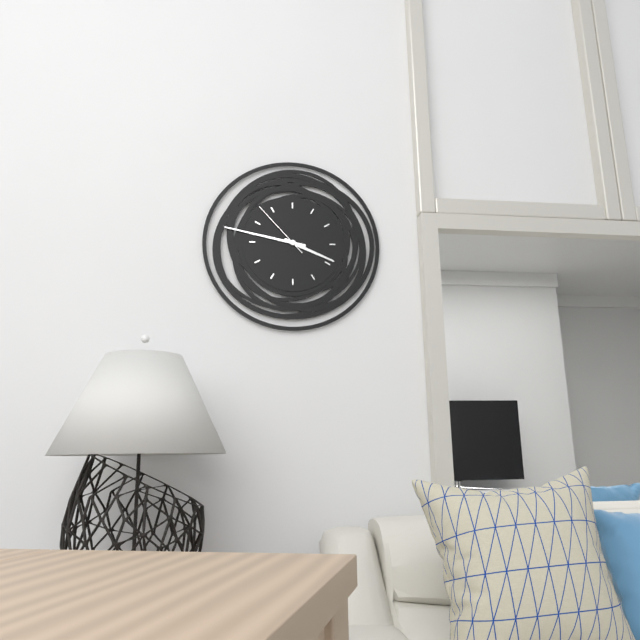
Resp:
**3:47:53**
